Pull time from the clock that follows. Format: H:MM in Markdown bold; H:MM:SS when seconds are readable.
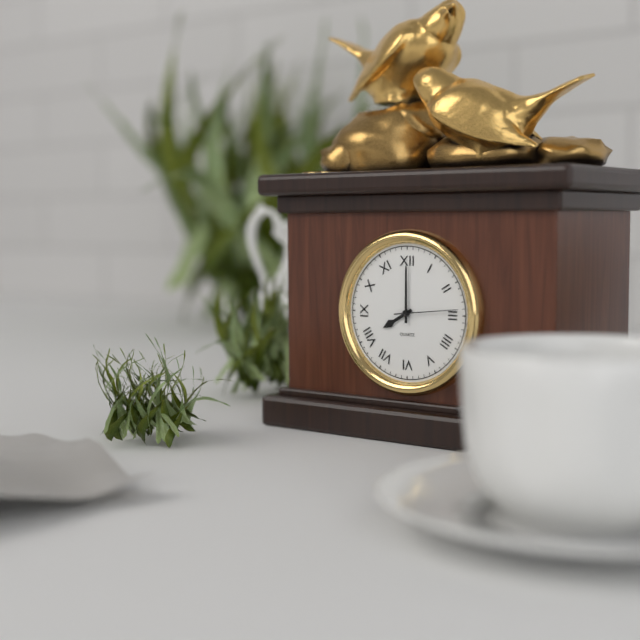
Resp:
**8:00:14**
